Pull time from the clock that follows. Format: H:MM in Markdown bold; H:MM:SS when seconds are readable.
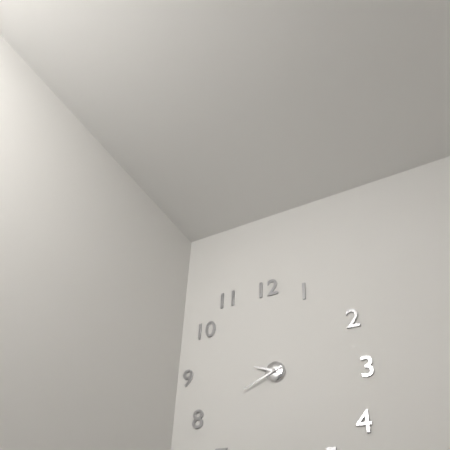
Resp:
**9:41**
